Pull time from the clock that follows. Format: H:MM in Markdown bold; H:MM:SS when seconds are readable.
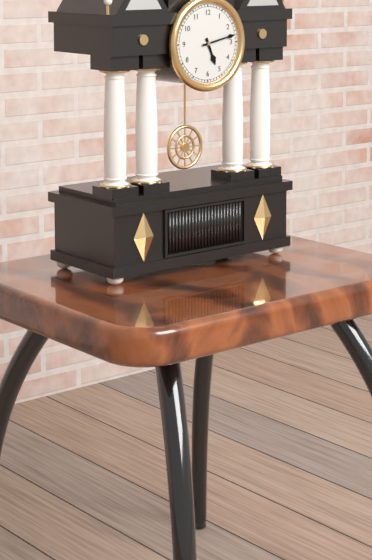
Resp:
**5:13**
